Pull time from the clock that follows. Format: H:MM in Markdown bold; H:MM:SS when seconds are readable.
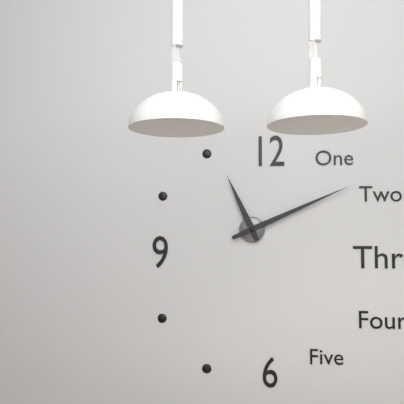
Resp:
**11:11**
